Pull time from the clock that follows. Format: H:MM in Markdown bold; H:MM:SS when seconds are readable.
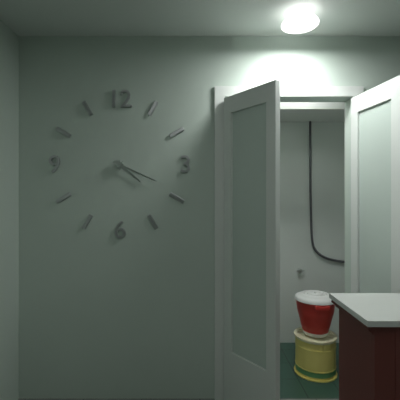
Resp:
**4:19**
